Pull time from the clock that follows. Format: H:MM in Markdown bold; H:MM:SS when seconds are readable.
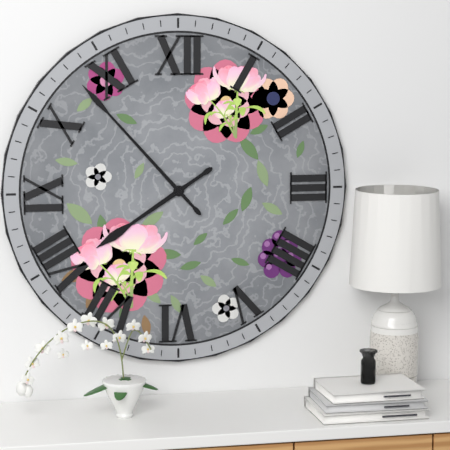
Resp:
**7:53**
